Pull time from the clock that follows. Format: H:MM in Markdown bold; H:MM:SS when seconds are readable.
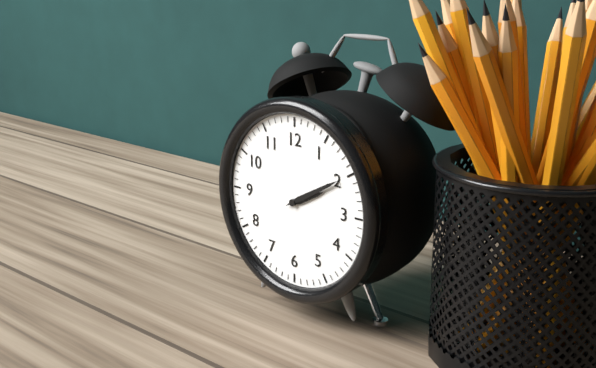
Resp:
**2:10**
